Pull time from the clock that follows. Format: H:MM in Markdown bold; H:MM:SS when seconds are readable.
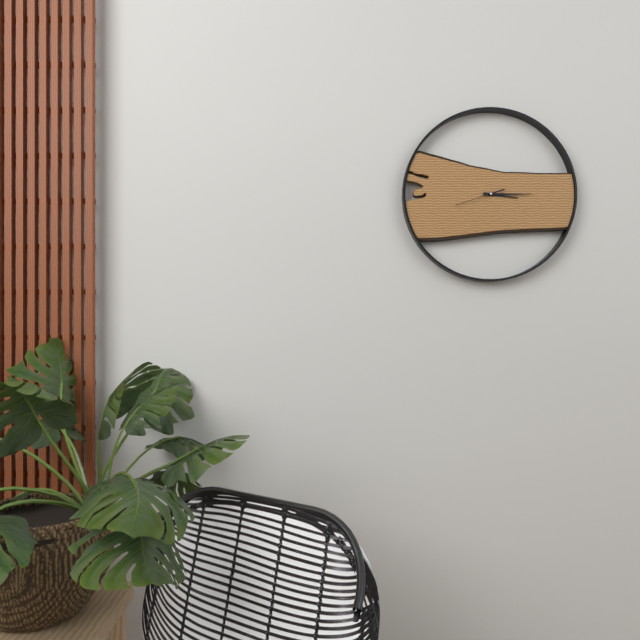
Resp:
**3:15**
